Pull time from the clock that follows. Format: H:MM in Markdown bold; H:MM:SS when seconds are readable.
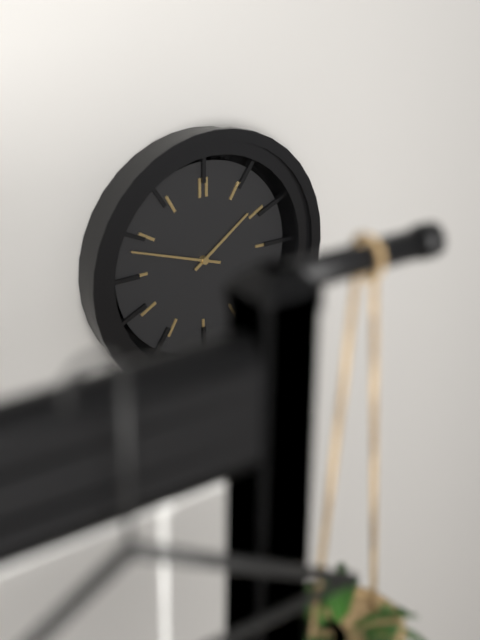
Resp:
**1:48**
